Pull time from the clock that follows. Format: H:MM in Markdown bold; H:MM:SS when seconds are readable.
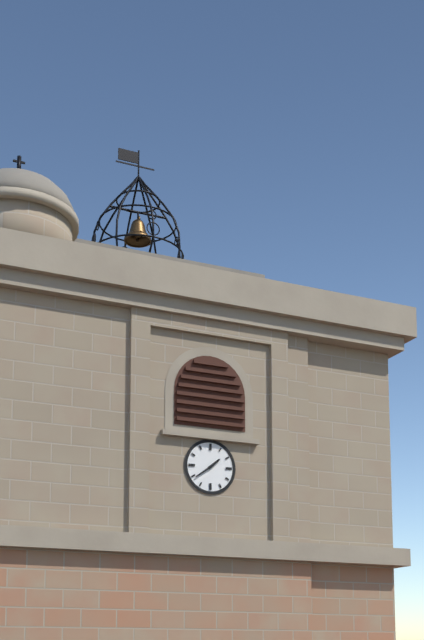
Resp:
**1:39**
